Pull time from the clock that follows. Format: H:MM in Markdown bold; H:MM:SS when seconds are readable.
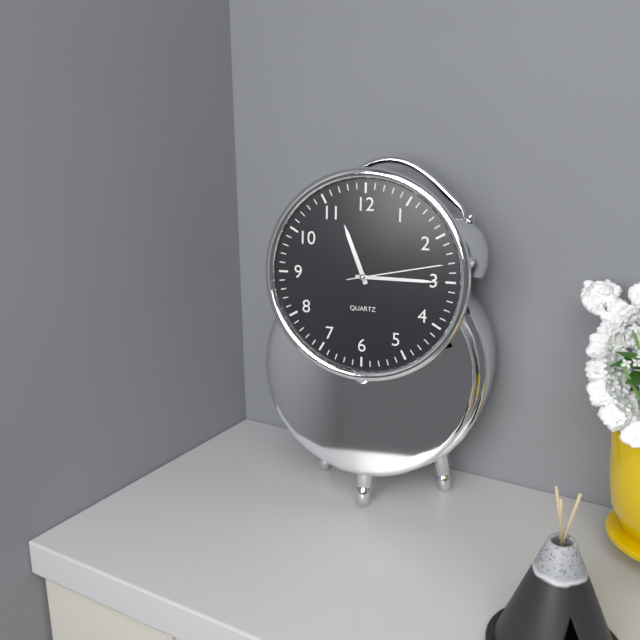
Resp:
**11:15:13**
